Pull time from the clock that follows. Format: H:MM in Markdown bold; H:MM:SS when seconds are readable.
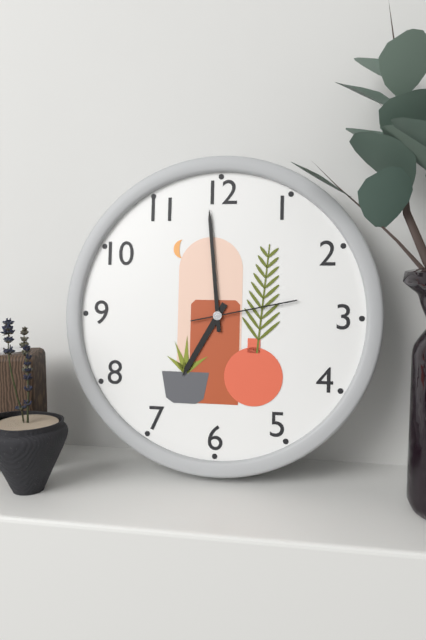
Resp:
**6:59:13**
